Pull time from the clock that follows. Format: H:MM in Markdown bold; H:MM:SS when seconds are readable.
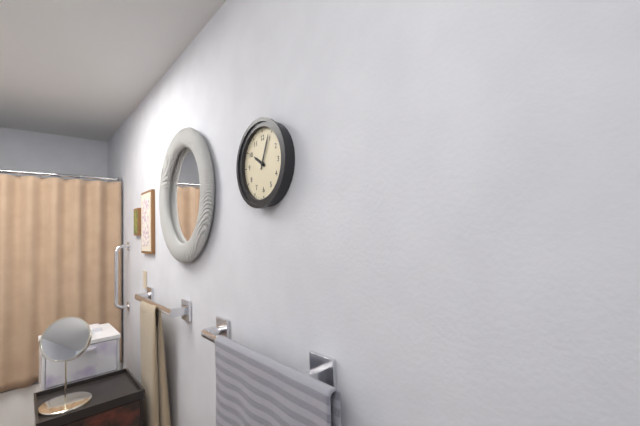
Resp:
**10:04**
